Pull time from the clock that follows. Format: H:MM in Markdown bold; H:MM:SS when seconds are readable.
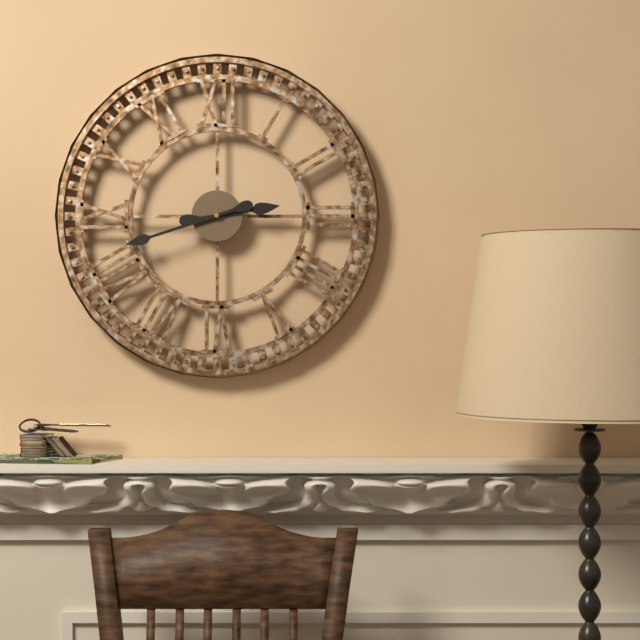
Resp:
**2:42**
